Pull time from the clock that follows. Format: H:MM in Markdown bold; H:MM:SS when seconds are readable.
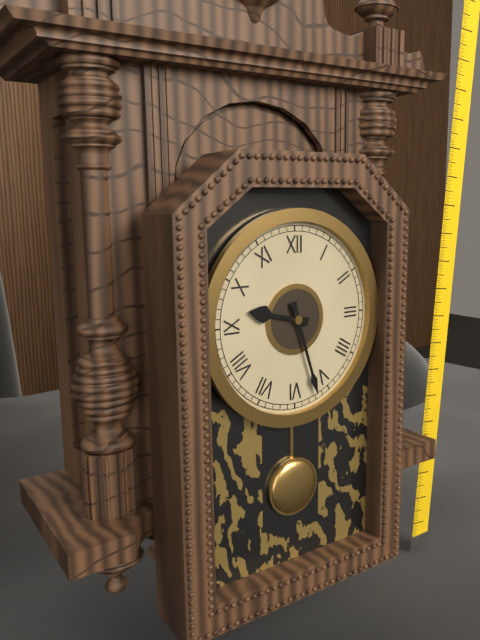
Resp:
**9:27**
